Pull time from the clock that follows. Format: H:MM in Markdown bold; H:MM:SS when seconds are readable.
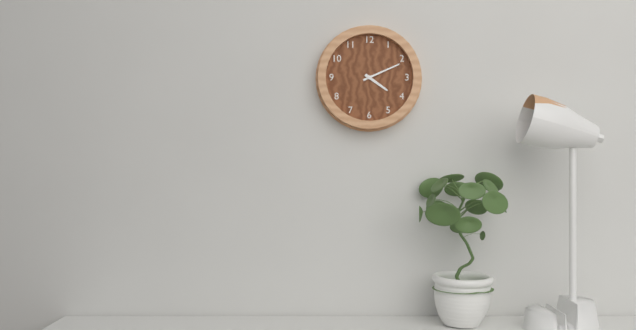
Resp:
**4:11**
